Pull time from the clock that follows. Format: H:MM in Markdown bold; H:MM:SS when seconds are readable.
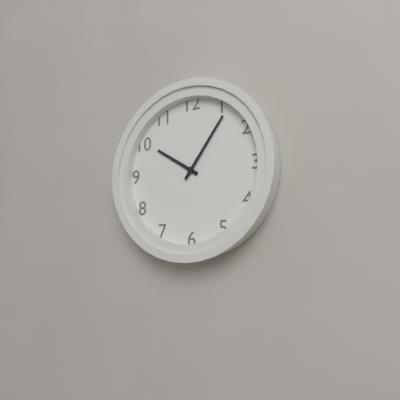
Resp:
**10:06**
